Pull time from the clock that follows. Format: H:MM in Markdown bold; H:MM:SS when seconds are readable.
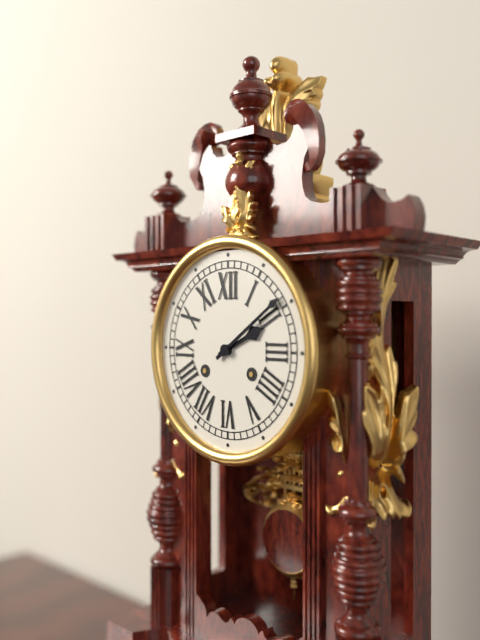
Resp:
**2:09**
